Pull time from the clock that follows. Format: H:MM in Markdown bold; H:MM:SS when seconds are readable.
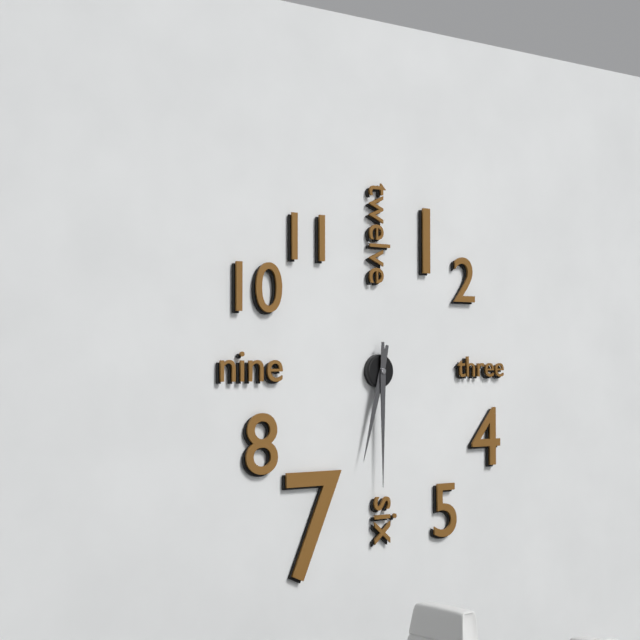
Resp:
**6:30**
